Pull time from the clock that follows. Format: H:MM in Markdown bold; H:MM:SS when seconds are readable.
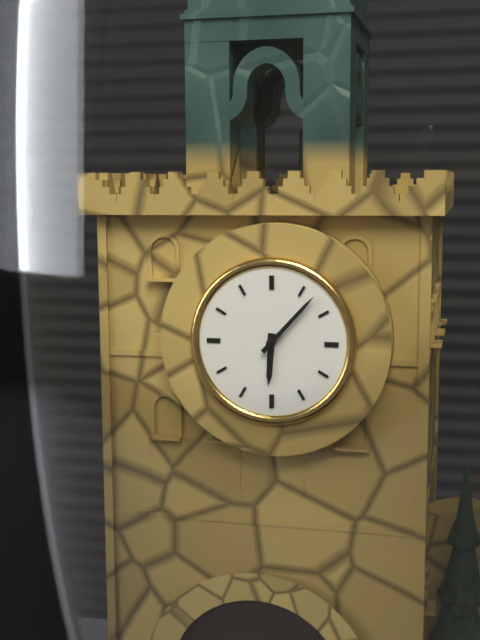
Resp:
**6:07**
